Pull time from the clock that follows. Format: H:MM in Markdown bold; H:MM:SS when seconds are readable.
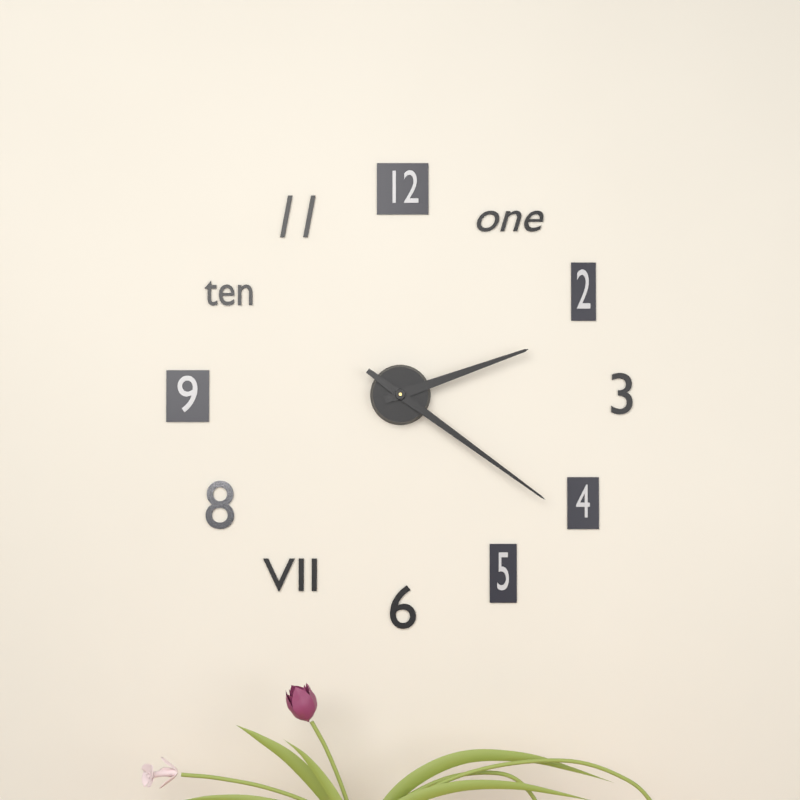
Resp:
**2:21**
